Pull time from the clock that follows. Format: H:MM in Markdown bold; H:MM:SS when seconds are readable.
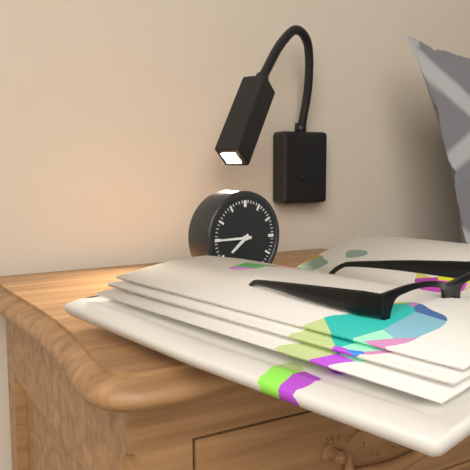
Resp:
**7:45**
